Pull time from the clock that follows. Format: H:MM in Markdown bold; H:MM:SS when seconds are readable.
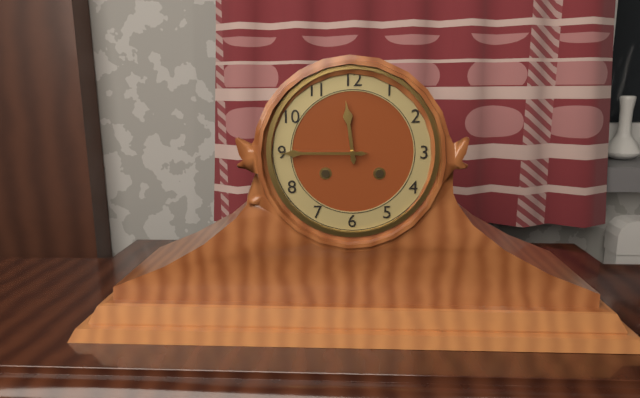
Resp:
**11:45**
